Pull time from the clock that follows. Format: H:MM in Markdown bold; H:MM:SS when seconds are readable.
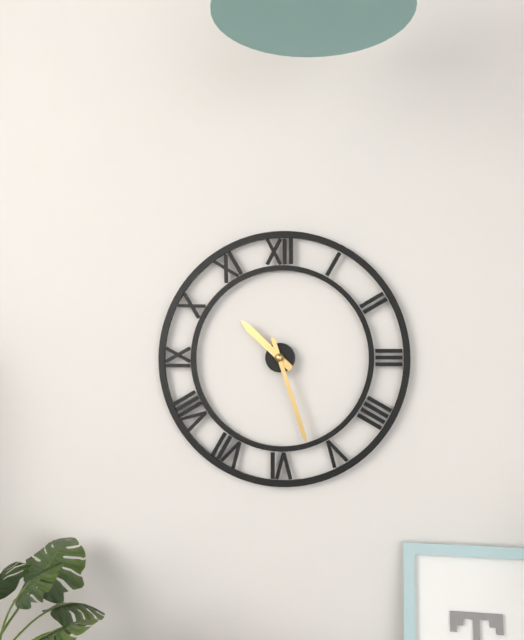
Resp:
**10:27**
